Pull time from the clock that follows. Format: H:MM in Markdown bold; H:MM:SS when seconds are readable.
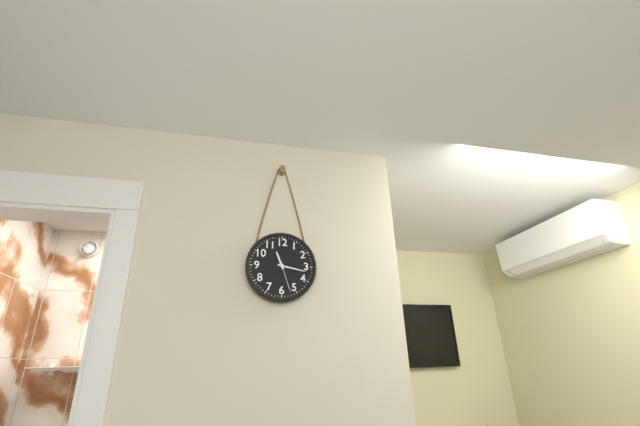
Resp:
**11:17**
